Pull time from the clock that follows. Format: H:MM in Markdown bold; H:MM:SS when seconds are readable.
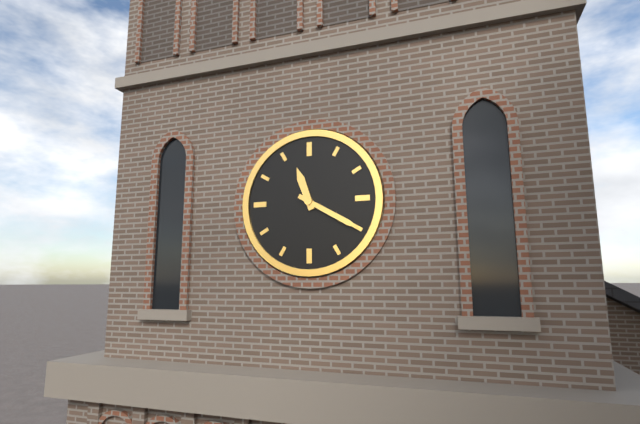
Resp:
**11:20**
